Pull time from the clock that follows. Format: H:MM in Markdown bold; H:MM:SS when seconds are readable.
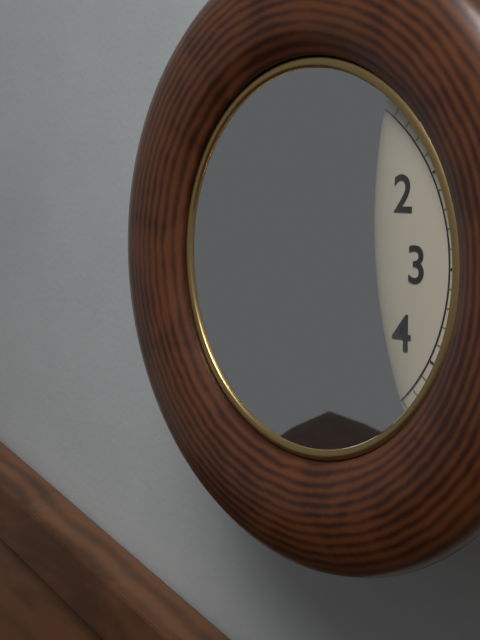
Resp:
**4:49**
